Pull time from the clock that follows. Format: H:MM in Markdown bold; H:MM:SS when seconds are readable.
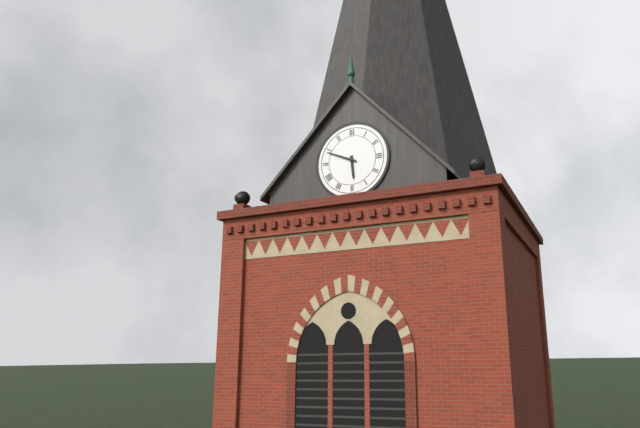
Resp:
**5:49**
